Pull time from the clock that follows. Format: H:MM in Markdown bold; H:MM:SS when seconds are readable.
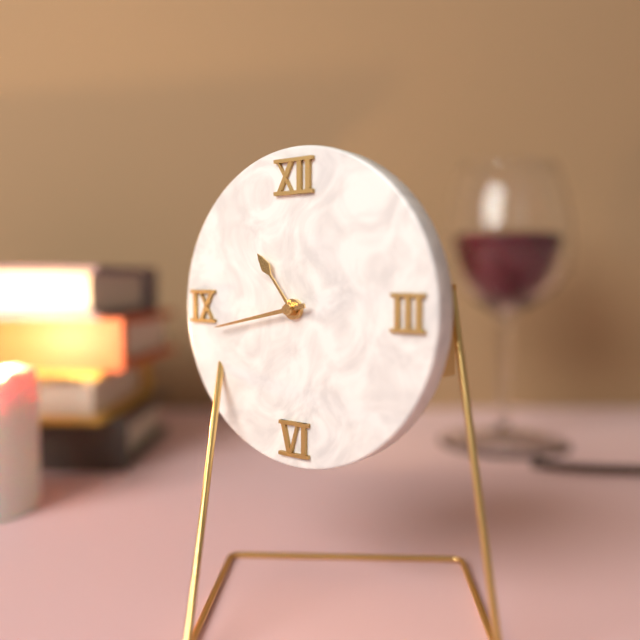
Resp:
**10:43**
